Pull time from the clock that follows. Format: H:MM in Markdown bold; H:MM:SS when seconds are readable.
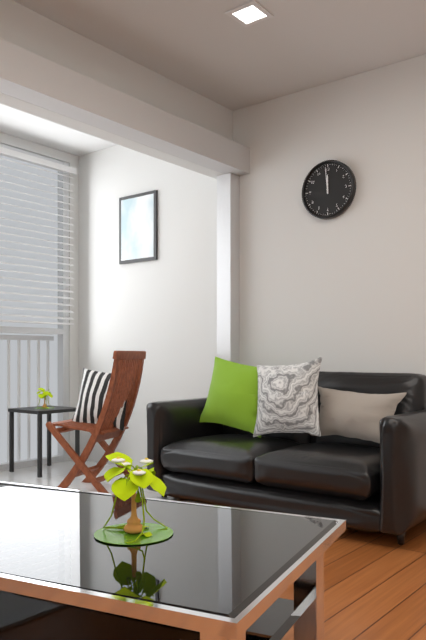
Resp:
**11:59**
